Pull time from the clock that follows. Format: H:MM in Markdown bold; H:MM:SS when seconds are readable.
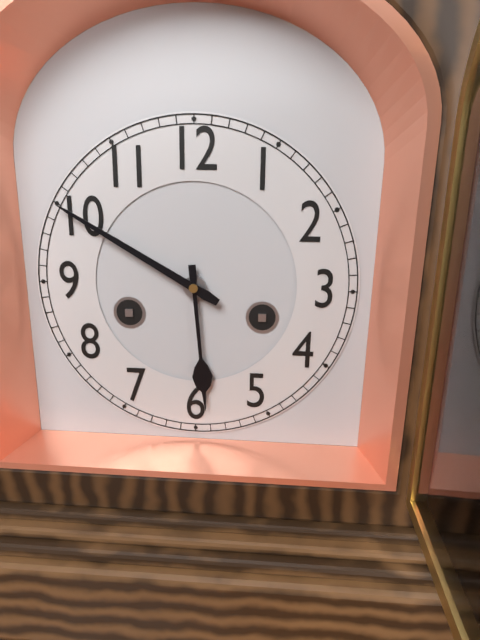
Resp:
**5:50**
